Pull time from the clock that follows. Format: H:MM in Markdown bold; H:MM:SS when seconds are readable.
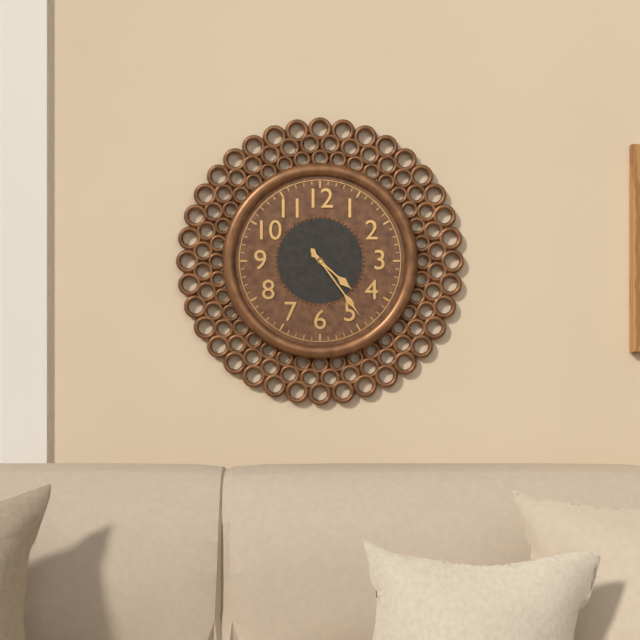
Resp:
**4:24**
